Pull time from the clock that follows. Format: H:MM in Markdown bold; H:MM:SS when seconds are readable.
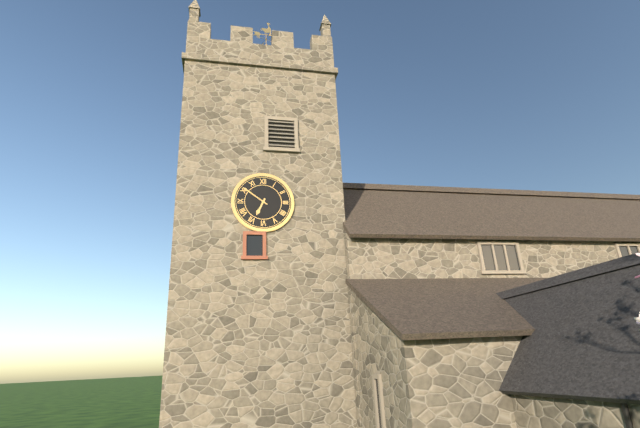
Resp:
**6:51**
